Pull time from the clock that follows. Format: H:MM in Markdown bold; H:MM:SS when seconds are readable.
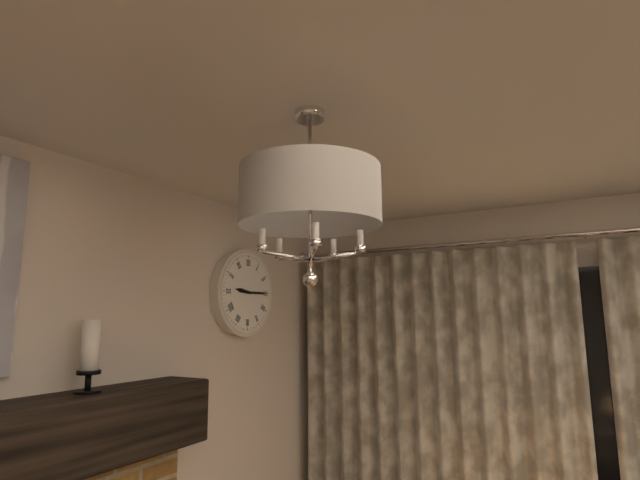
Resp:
**9:15**
